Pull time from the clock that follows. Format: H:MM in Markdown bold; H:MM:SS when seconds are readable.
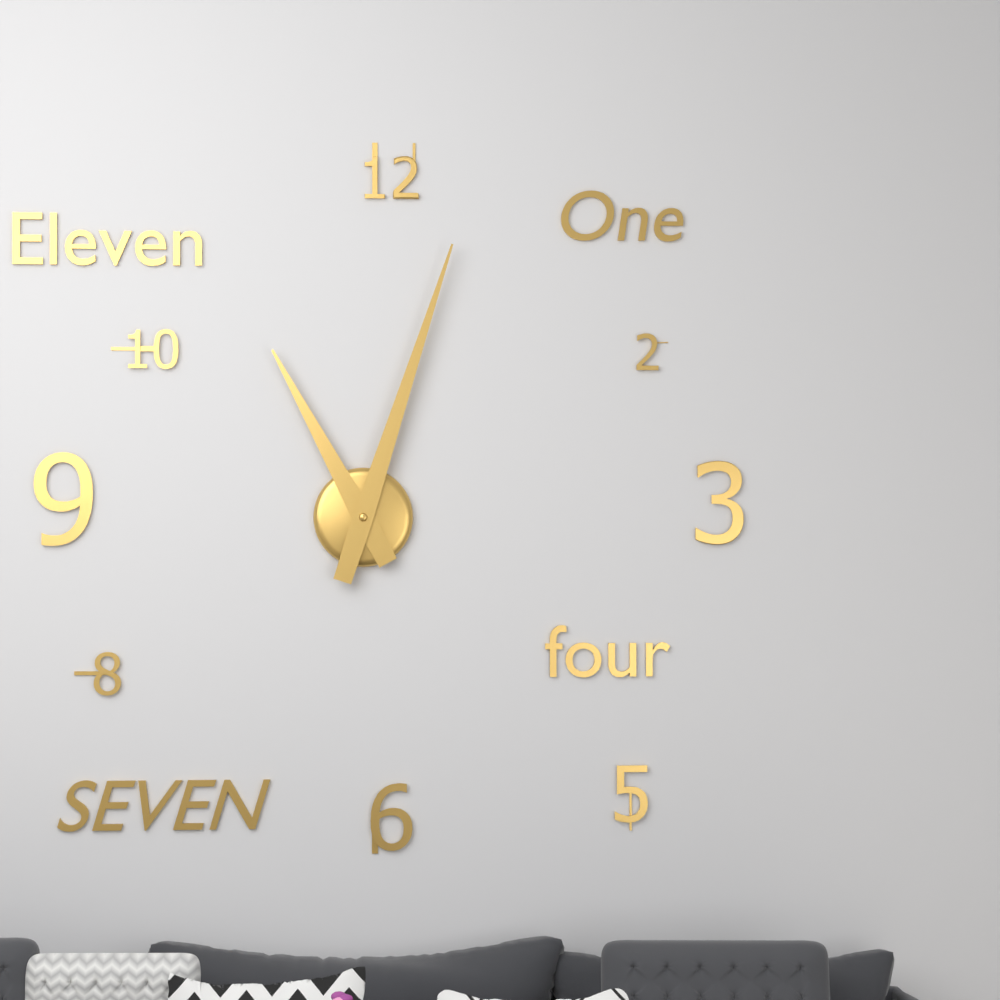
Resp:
**11:03**
